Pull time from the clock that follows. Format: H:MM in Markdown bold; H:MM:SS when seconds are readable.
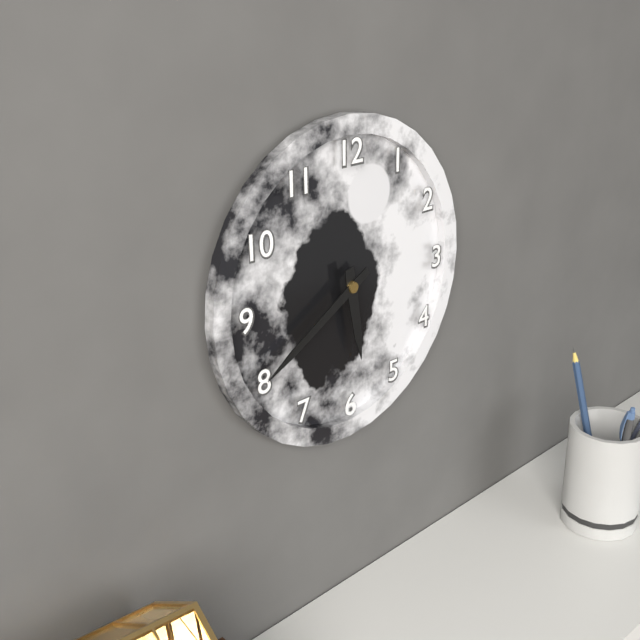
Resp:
**5:40**
